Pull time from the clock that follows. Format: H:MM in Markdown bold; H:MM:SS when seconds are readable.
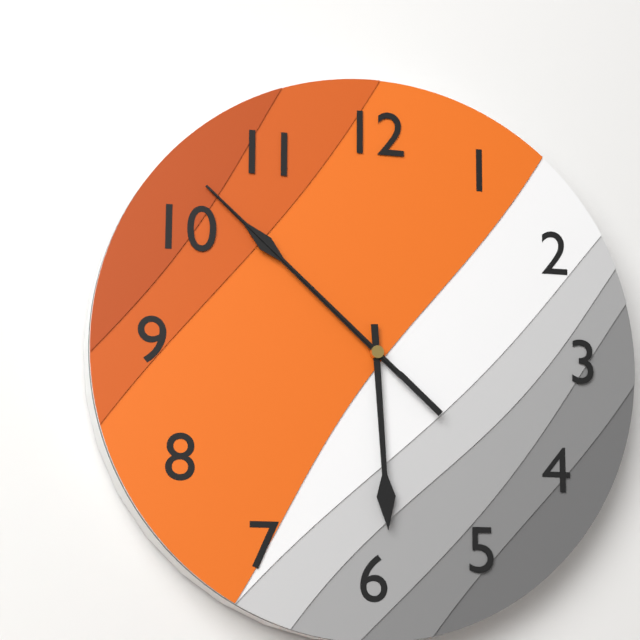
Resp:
**5:52:52**
